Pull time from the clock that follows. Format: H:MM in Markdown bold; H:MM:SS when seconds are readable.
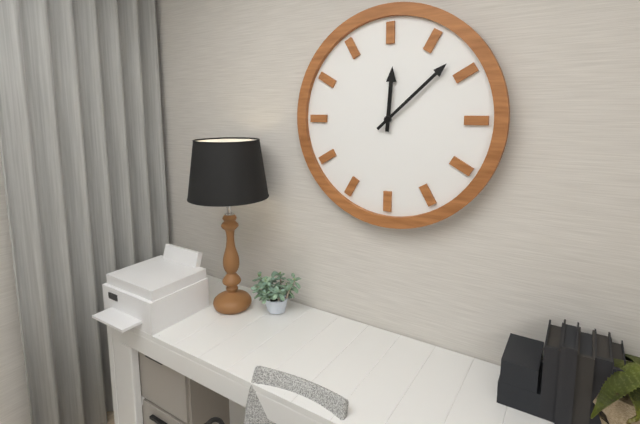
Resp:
**12:08**
